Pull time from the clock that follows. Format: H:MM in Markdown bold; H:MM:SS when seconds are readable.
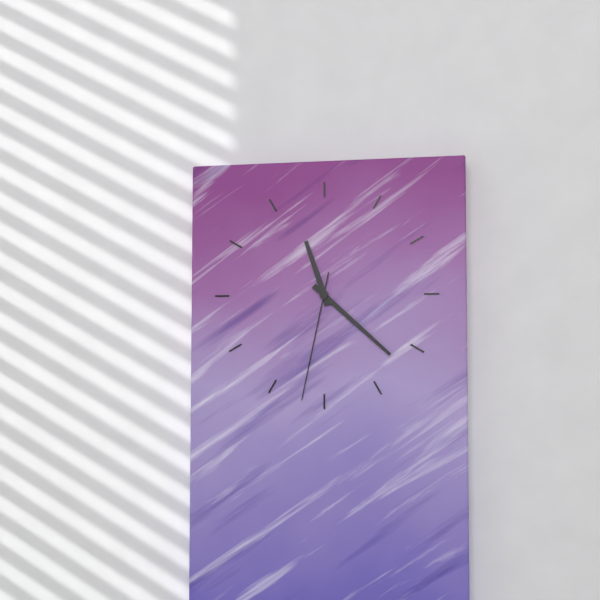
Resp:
**11:22:32**
